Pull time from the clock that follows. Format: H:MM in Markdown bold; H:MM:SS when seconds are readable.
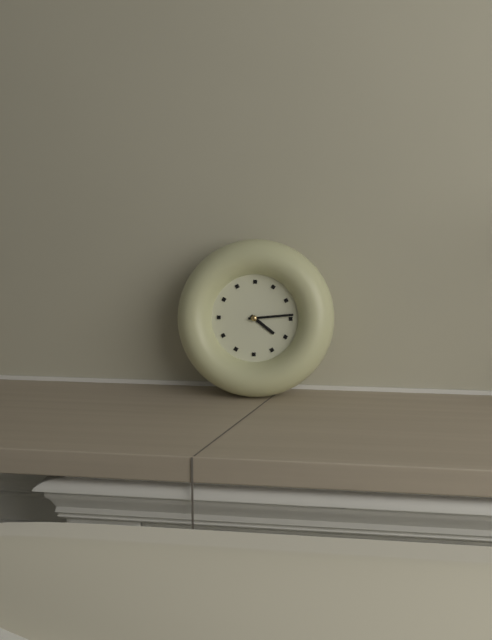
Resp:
**4:14**
